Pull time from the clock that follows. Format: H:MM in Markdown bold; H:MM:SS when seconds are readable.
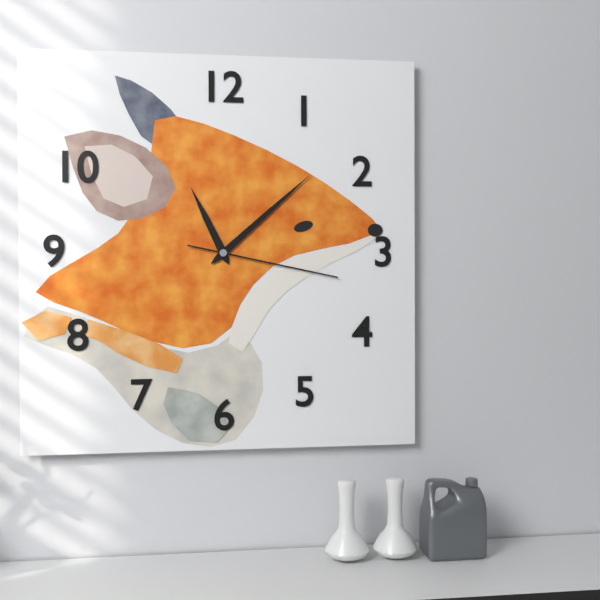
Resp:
**11:08:17**
